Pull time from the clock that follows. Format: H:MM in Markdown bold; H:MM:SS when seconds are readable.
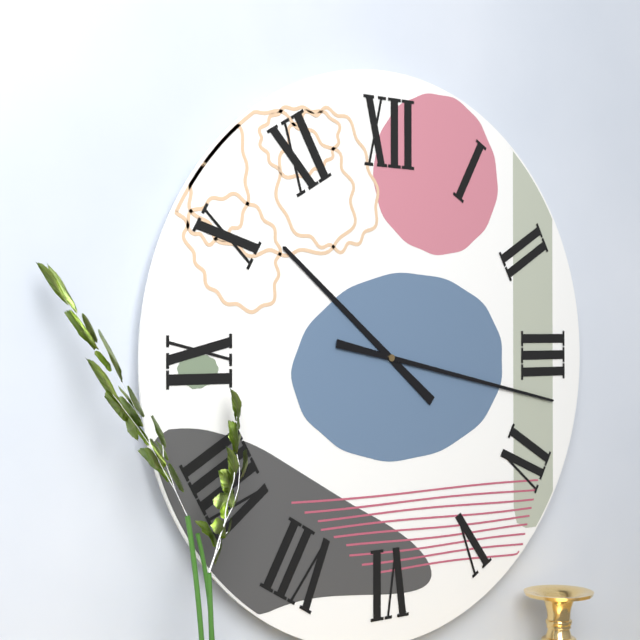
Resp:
**10:17**
